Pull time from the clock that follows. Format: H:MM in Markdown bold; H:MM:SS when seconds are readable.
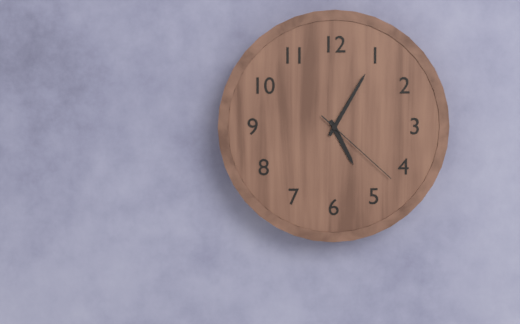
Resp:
**5:05:22**
